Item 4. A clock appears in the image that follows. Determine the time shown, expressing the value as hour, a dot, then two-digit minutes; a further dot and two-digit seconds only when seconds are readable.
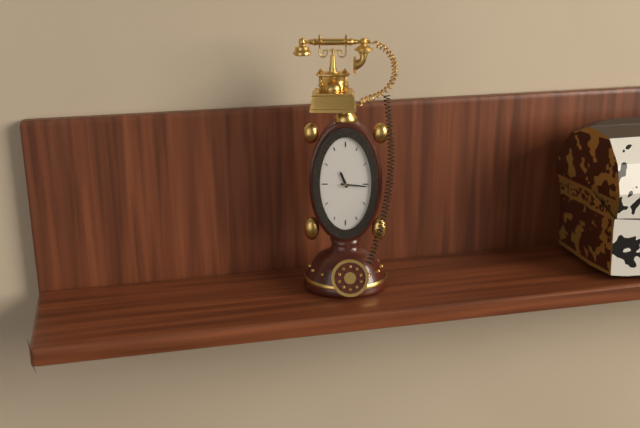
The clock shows 11.16
